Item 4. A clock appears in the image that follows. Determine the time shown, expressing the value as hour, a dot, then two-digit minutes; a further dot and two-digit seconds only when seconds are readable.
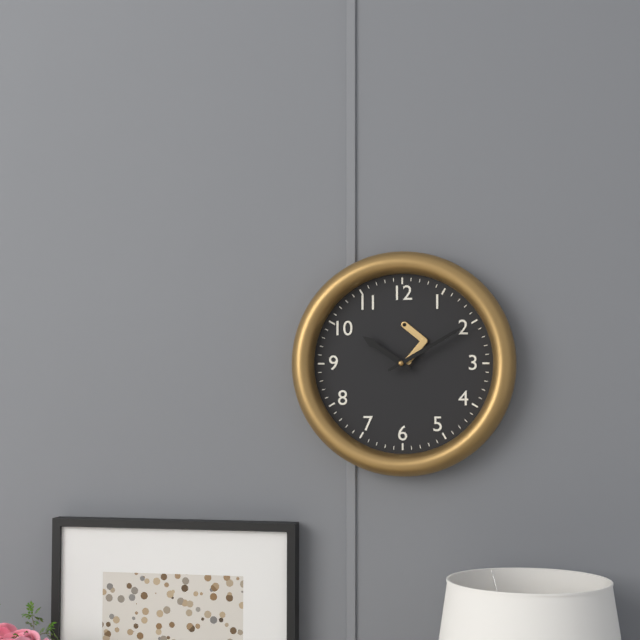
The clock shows 10.10
